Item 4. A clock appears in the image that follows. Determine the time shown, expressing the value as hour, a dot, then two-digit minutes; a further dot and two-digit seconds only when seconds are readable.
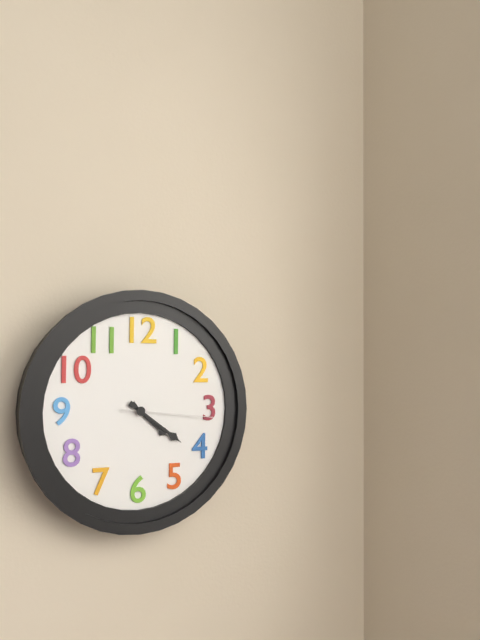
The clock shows 4.21.16
